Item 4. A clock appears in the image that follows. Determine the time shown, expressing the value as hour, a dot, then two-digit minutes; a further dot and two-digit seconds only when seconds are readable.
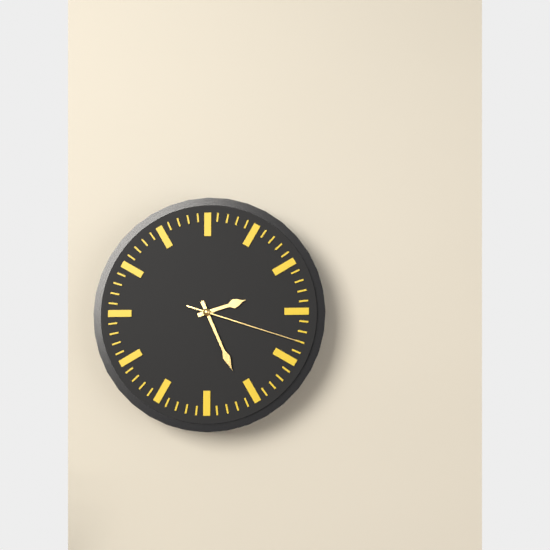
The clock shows 2.26.18
